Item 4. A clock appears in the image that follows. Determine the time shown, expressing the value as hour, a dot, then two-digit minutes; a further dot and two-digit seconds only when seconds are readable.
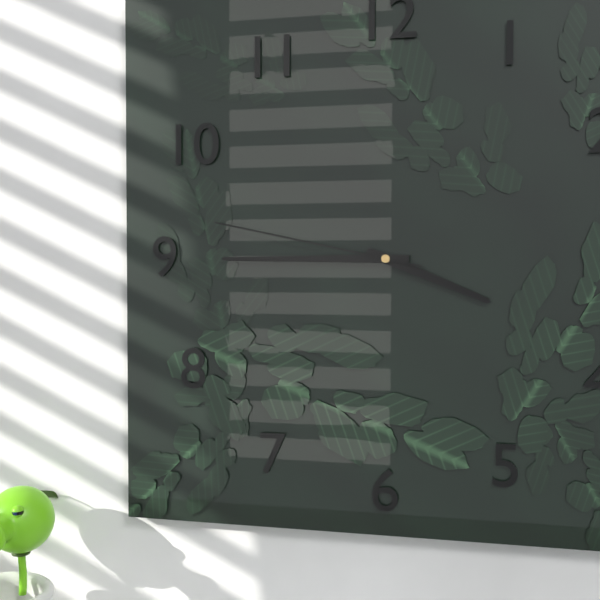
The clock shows 3.45.47
